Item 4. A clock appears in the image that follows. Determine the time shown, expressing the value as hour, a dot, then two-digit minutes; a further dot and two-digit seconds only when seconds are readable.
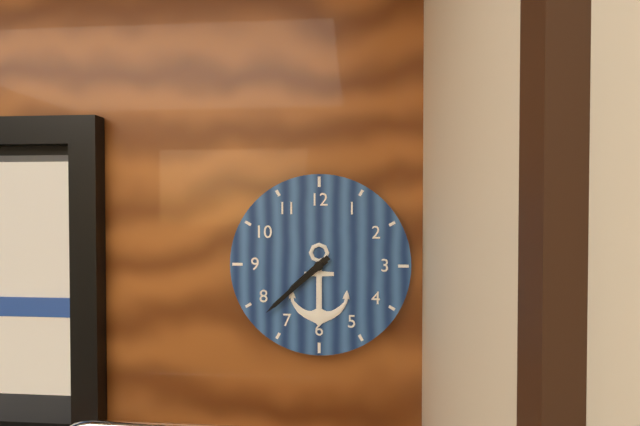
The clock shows 7.38
